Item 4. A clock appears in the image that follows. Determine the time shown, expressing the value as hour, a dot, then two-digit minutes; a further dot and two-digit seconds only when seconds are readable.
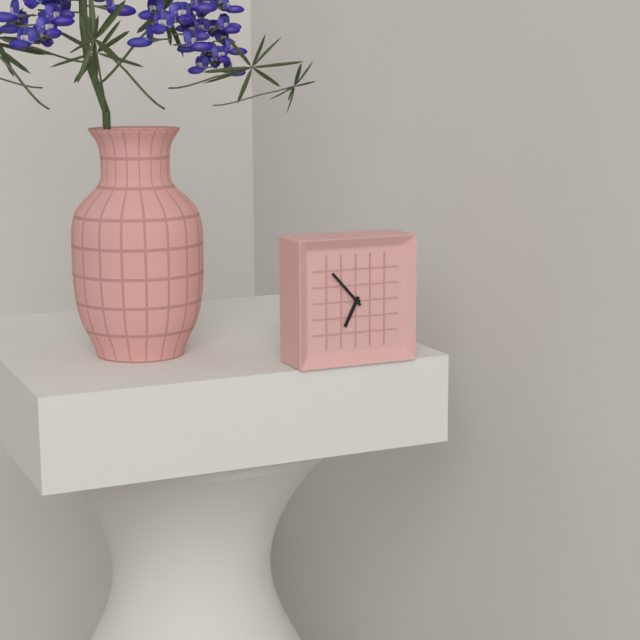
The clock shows 6.53
